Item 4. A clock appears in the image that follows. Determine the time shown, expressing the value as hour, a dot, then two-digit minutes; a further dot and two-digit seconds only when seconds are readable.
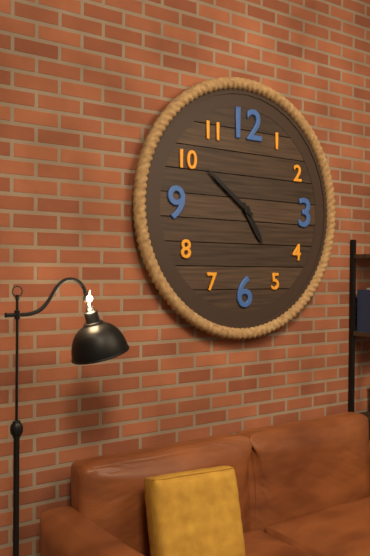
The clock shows 4.51
